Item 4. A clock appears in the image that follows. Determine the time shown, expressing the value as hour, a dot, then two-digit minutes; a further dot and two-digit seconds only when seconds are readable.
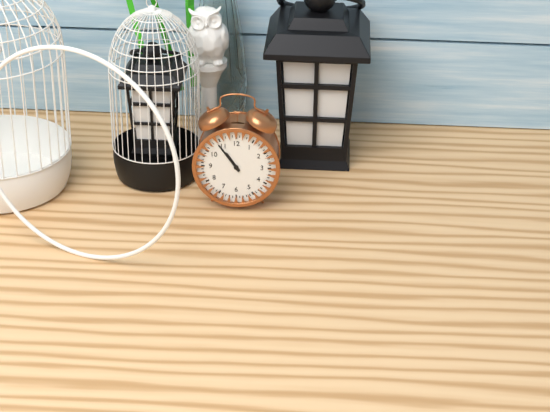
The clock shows 10.54
